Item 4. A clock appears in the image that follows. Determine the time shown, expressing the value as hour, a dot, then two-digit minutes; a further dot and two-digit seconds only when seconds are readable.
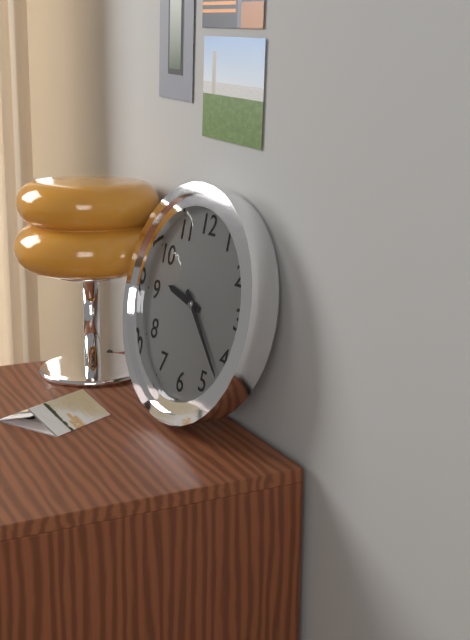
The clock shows 9.22
